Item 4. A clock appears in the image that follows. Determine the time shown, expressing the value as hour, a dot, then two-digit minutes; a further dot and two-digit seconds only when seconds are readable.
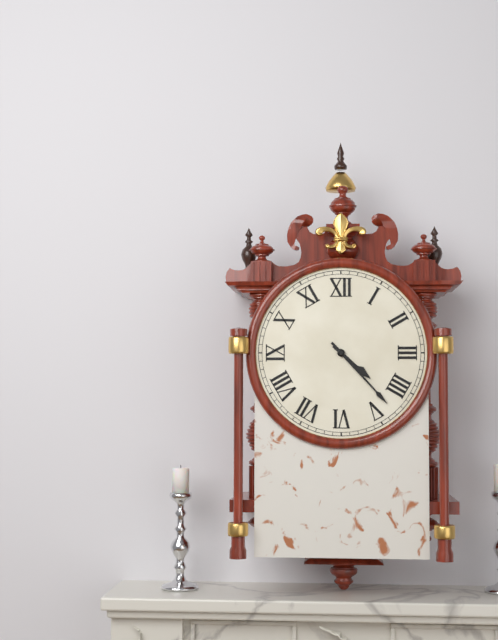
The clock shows 4.23
